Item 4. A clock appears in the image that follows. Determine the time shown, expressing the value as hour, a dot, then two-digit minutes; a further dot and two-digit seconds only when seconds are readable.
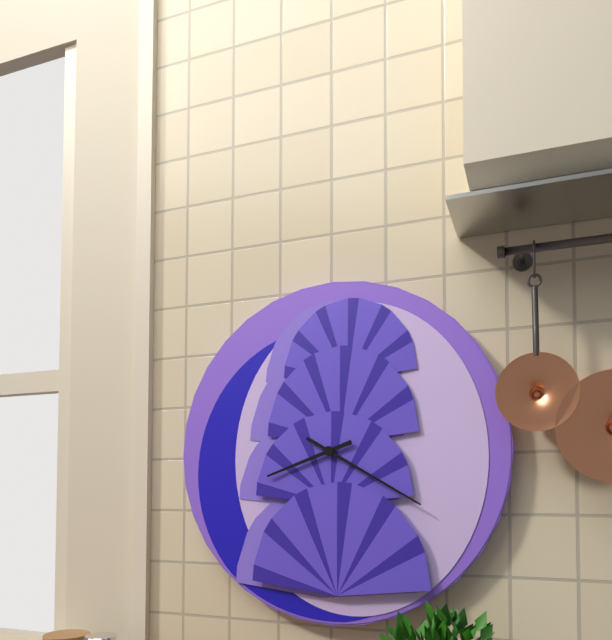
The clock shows 8.20
